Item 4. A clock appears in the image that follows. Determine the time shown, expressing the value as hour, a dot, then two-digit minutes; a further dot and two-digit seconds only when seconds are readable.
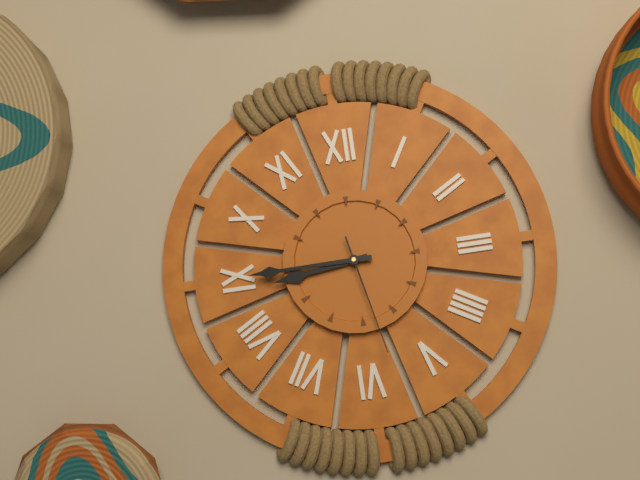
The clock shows 8.45.28
